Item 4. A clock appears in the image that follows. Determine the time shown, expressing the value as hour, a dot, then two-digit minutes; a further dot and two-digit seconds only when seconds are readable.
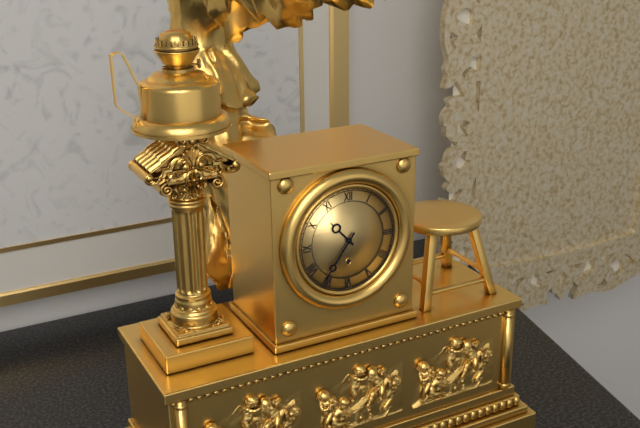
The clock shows 10.36
